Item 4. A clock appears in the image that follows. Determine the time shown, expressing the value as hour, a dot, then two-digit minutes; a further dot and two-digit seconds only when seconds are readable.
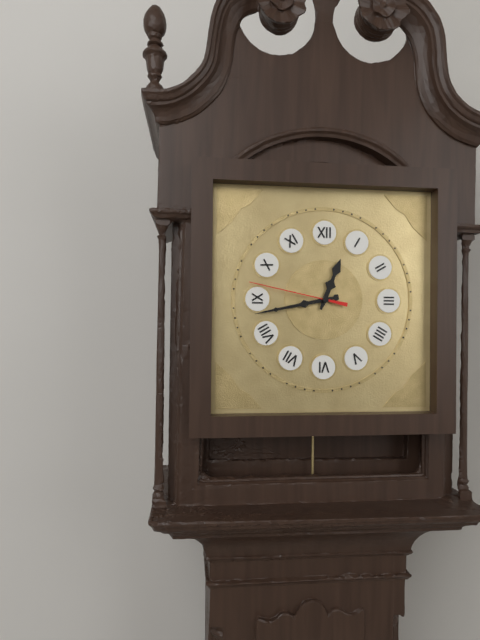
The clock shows 12.43.47
